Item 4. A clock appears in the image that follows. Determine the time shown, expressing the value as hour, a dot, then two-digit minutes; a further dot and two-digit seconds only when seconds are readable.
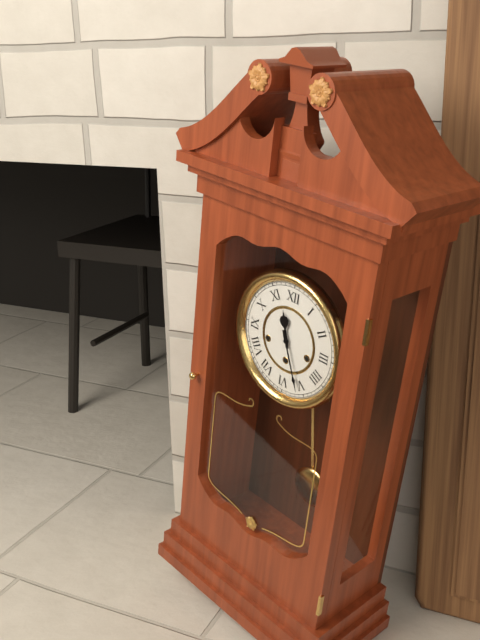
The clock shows 11.26
